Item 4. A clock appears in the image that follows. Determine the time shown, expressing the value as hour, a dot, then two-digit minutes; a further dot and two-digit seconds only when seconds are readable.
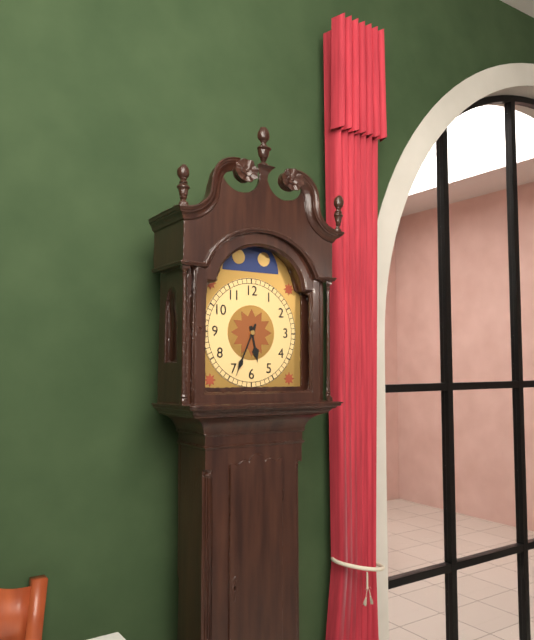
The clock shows 5.34
